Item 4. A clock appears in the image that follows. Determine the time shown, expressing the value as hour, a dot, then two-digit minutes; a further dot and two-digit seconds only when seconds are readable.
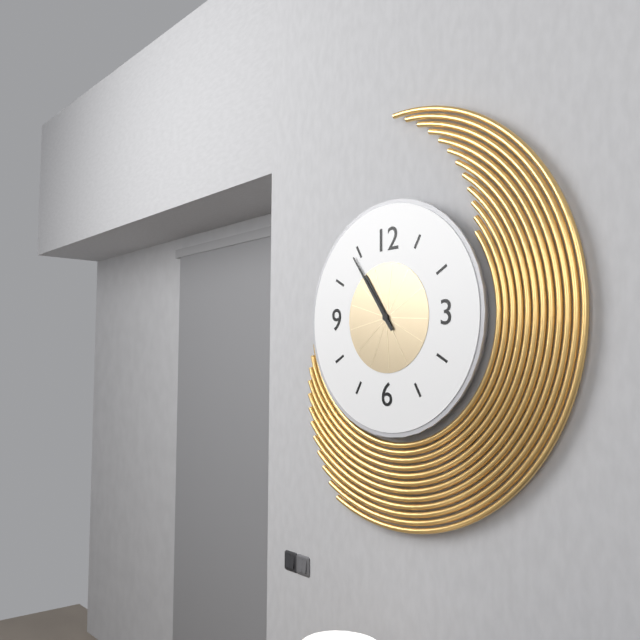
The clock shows 10.54
